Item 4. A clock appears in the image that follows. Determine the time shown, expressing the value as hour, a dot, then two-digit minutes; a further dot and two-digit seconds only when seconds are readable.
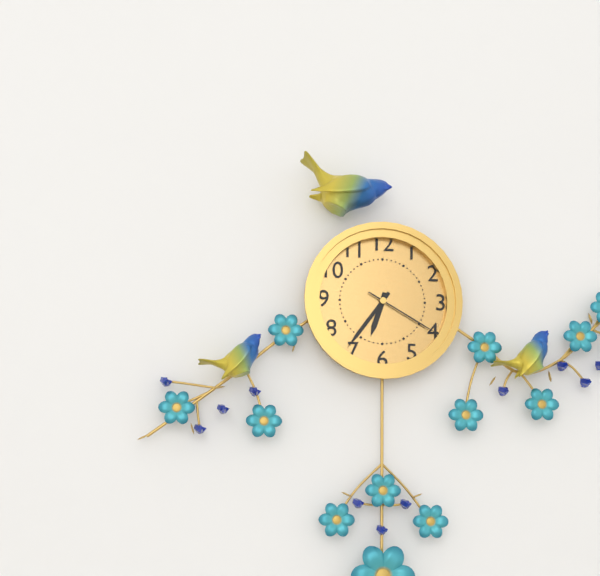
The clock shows 6.36.20
